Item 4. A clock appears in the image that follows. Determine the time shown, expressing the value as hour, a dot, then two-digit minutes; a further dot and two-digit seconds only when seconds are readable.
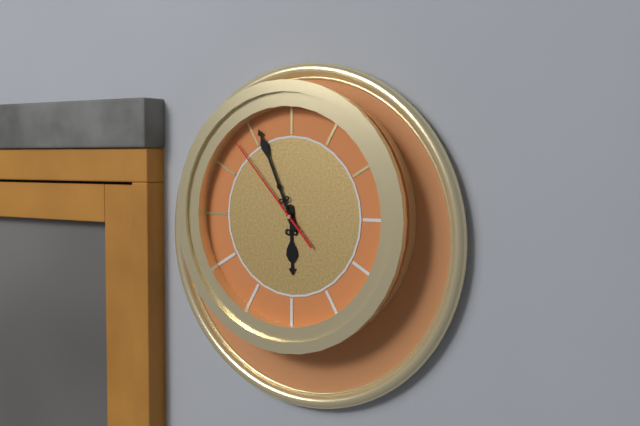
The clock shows 5.56.53
